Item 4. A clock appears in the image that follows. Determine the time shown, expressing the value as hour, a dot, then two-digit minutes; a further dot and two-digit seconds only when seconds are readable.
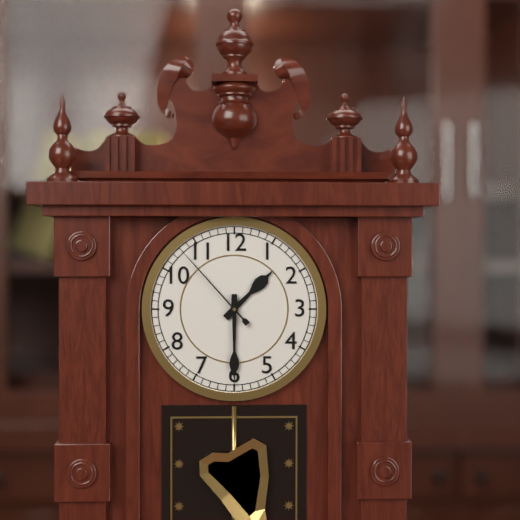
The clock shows 1.30.53
